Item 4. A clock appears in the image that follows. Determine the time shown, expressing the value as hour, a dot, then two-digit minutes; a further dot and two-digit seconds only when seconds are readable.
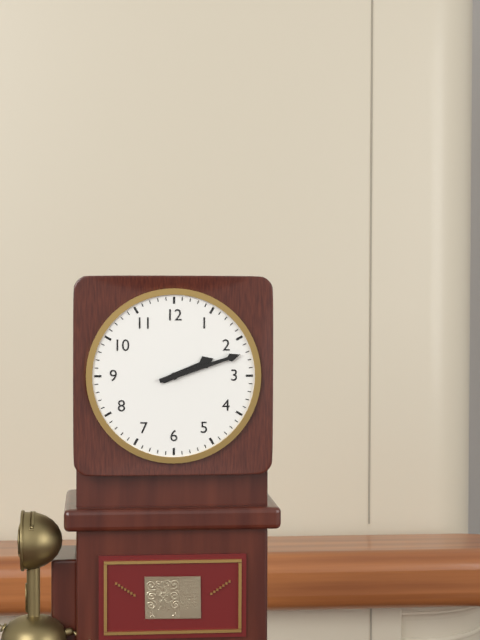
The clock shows 2.12
